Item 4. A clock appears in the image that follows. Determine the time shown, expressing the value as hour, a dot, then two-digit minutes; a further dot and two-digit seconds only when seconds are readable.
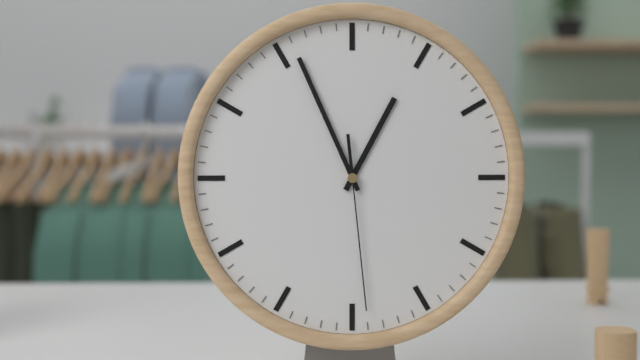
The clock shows 12.56.29
